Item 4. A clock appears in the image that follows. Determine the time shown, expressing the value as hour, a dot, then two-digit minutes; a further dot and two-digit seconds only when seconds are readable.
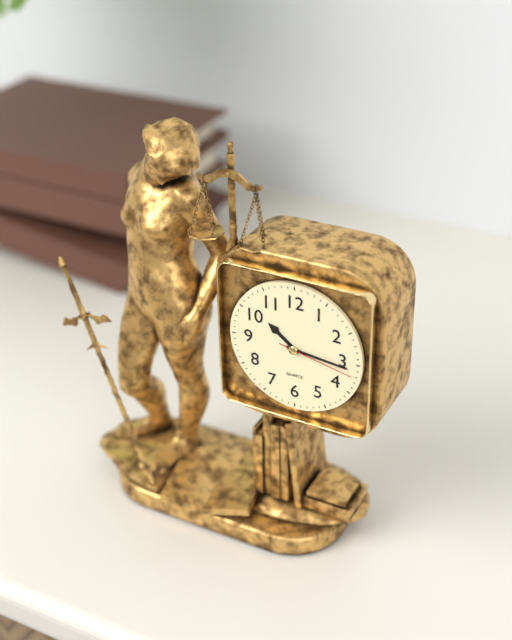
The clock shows 10.16.17
